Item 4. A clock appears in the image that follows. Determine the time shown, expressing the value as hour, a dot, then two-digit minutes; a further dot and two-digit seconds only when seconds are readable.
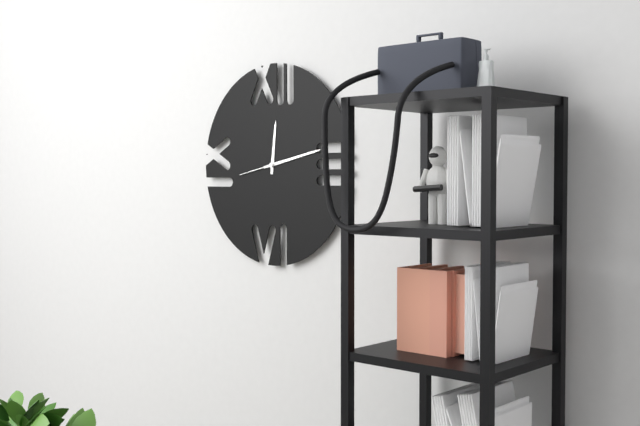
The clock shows 12.13
